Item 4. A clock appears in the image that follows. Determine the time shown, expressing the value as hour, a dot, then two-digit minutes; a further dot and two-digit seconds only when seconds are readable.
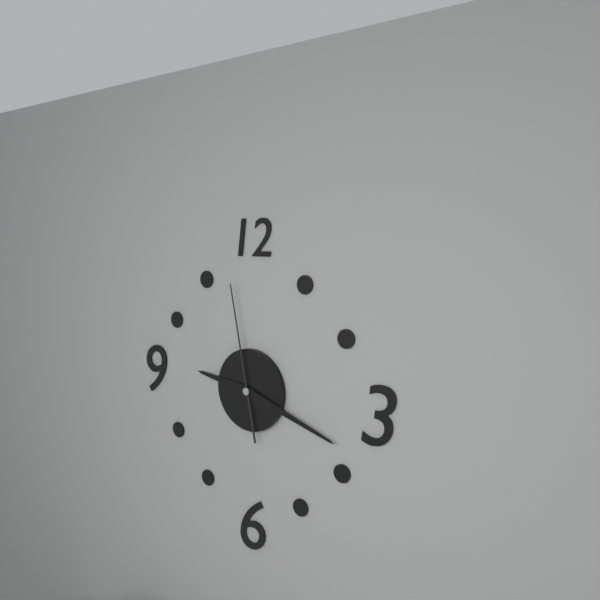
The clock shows 9.18.58
